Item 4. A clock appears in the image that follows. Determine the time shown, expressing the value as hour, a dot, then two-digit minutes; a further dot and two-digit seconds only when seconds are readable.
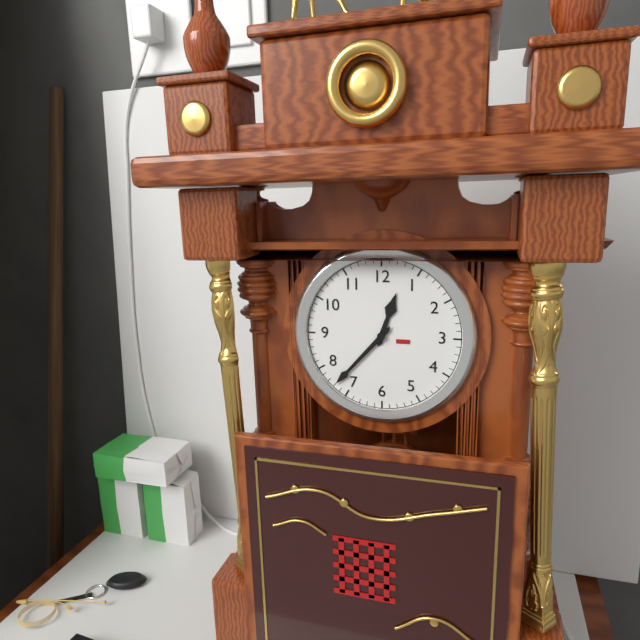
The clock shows 12.37
